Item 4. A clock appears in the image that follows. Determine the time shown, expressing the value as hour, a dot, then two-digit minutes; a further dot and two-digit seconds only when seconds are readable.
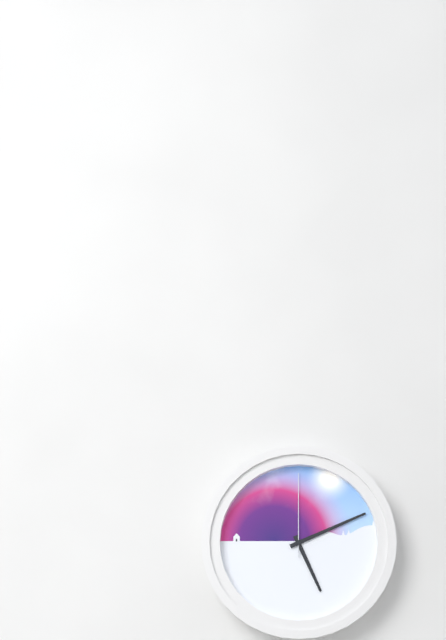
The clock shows 5.11.00
